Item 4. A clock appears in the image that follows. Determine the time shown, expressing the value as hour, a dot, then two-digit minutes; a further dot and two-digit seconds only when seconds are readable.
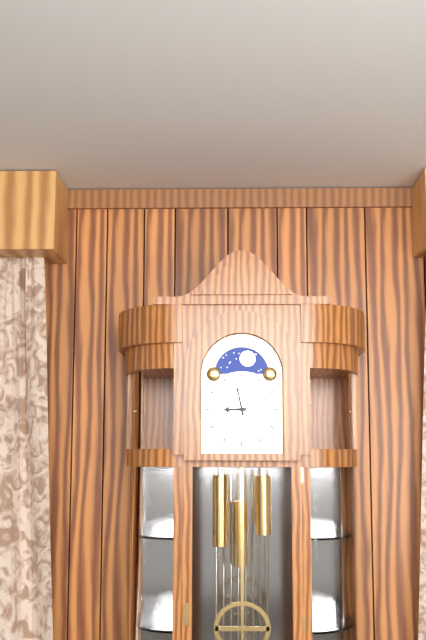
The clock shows 8.58
